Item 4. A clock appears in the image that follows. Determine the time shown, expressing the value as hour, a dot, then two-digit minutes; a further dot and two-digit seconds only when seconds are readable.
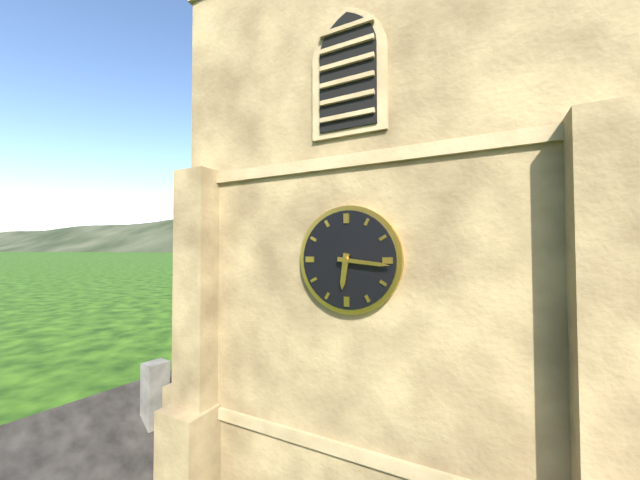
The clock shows 6.16
